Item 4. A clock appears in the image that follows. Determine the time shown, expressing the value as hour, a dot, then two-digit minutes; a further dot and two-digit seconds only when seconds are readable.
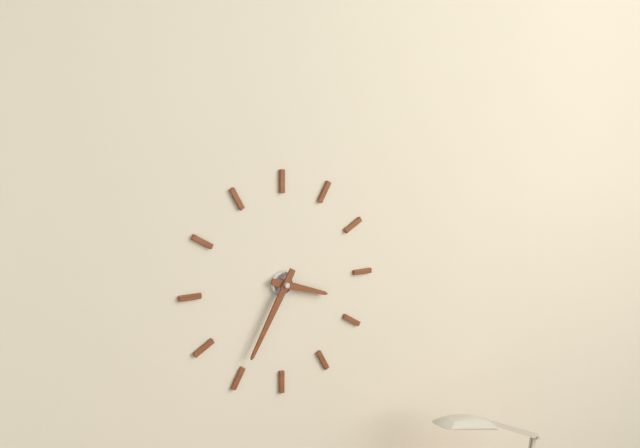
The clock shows 3.35
